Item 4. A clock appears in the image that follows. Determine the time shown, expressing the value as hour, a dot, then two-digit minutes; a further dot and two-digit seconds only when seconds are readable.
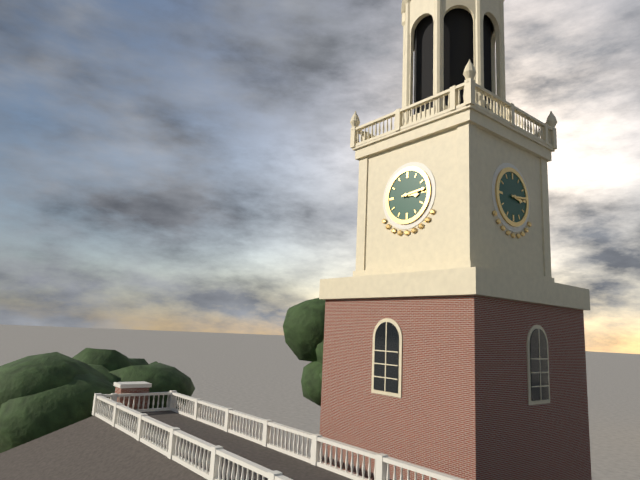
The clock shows 3.14
